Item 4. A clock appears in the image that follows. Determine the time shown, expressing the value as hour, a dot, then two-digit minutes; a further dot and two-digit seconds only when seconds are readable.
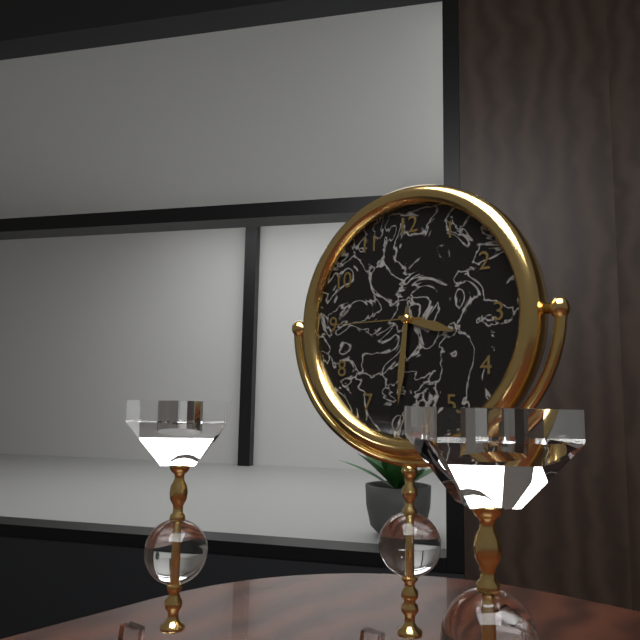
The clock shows 3.31.45
